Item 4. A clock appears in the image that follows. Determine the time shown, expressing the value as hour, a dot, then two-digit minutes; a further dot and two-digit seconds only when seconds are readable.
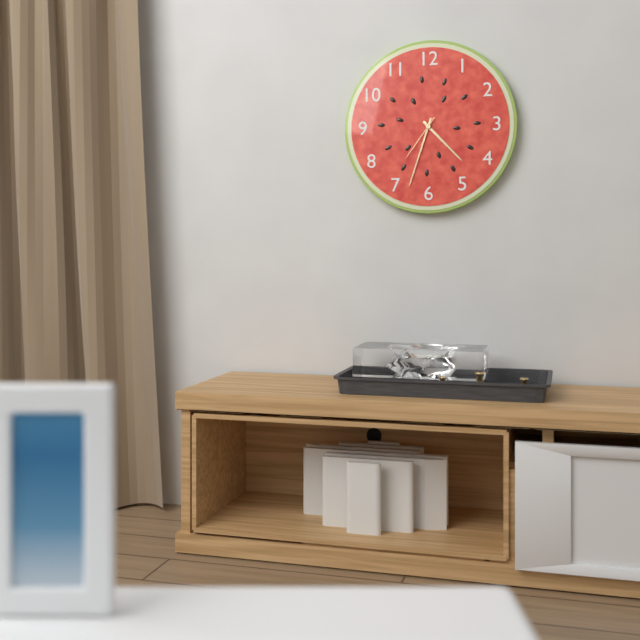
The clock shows 4.33
